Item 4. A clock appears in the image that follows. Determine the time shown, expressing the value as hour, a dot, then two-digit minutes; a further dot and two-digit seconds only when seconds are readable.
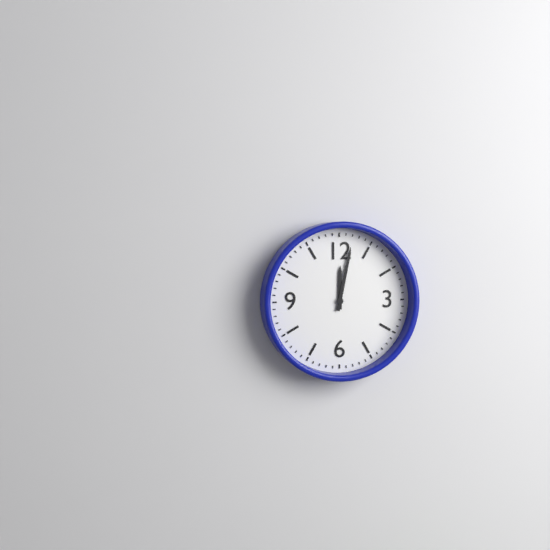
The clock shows 12.02
